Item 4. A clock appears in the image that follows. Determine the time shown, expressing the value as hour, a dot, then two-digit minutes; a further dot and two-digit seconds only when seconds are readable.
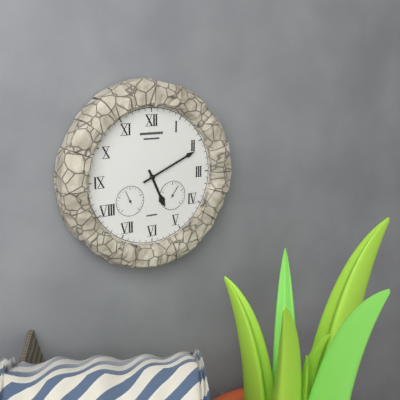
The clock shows 5.11
